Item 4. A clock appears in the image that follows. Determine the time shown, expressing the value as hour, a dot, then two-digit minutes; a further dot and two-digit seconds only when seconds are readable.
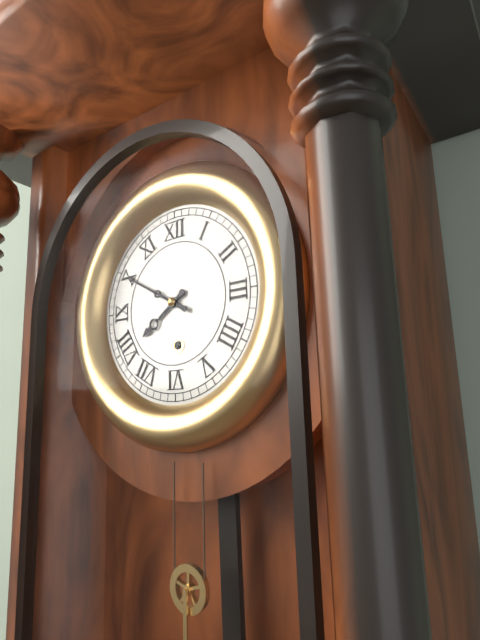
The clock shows 7.50
